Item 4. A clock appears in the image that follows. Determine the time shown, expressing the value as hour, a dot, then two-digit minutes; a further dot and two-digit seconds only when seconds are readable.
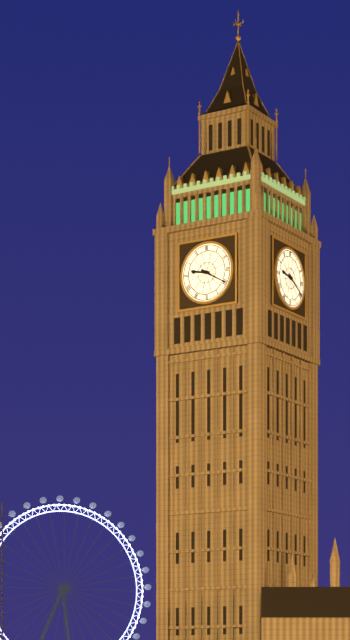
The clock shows 9.20
